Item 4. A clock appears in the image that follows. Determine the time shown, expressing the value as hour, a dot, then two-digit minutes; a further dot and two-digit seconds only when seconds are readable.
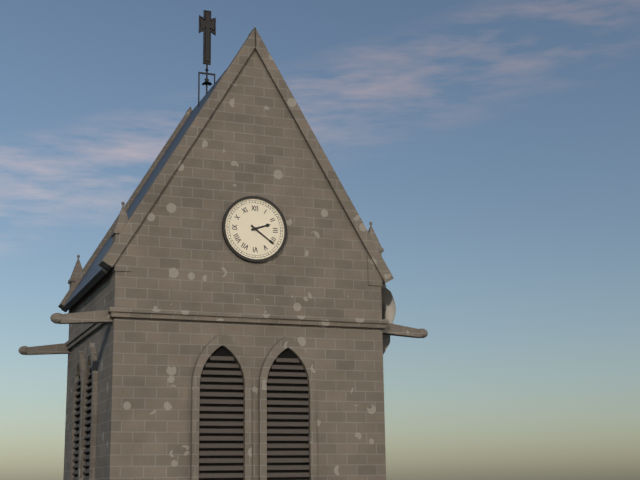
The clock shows 2.21
